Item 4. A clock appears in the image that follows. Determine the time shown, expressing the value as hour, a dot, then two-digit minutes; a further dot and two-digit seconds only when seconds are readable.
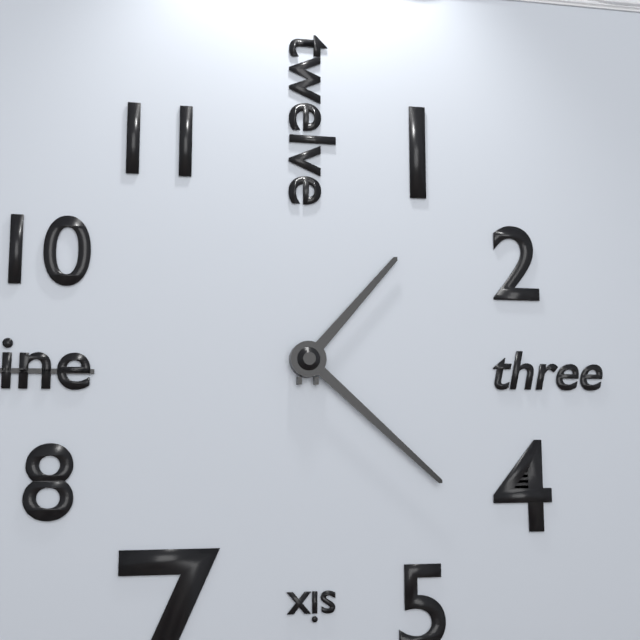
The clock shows 1.22
